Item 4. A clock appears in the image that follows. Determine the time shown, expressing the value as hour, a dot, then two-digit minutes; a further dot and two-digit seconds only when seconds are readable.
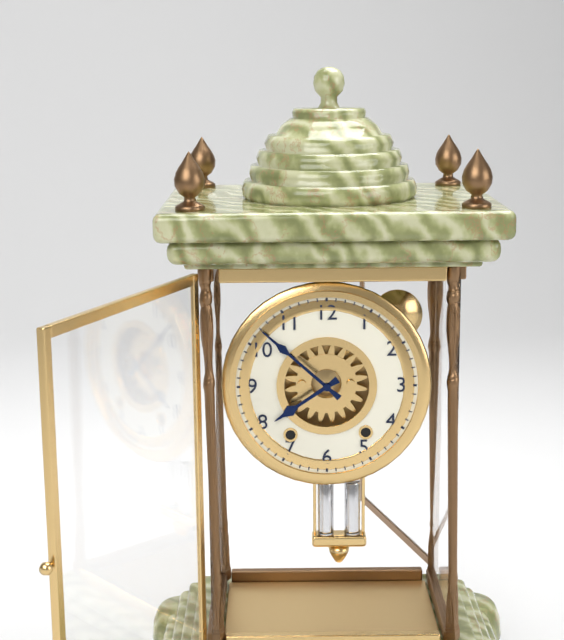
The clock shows 7.52
